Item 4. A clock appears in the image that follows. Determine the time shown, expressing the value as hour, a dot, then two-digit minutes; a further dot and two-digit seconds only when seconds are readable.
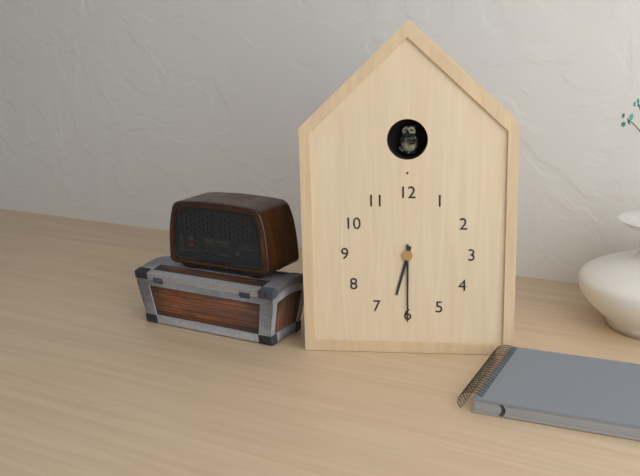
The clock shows 6.30
